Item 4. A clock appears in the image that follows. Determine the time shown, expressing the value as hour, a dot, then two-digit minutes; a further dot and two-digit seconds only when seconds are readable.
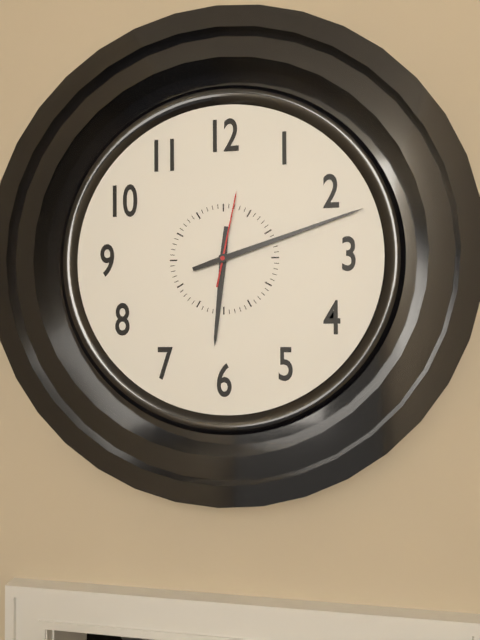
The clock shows 6.12.02
